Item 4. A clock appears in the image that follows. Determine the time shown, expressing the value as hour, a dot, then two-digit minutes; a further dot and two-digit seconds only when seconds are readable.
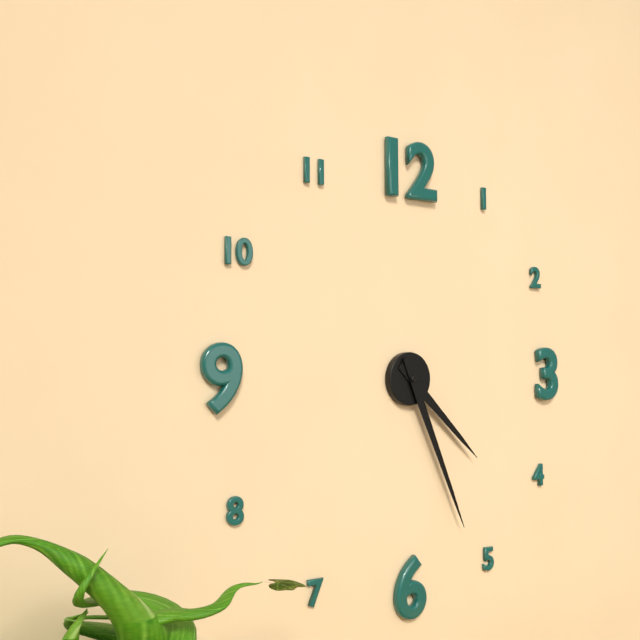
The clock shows 4.26
